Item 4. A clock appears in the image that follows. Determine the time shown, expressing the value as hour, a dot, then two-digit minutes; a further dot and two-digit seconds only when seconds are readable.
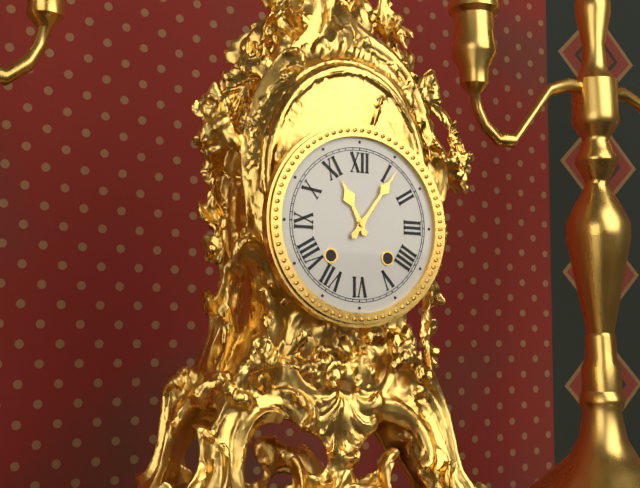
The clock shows 11.06
